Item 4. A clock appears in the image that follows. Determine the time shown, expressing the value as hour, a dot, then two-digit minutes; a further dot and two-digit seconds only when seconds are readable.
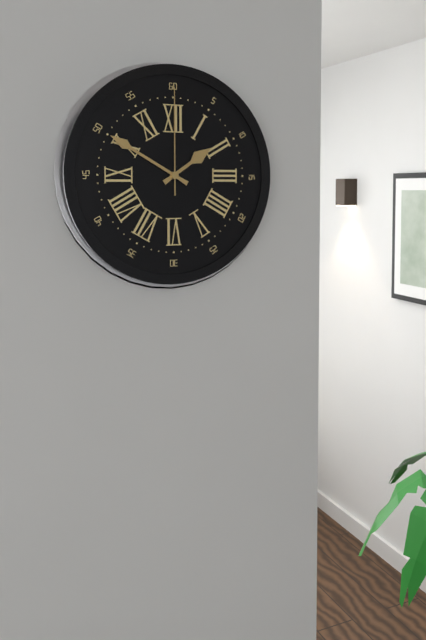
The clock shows 1.50.00
